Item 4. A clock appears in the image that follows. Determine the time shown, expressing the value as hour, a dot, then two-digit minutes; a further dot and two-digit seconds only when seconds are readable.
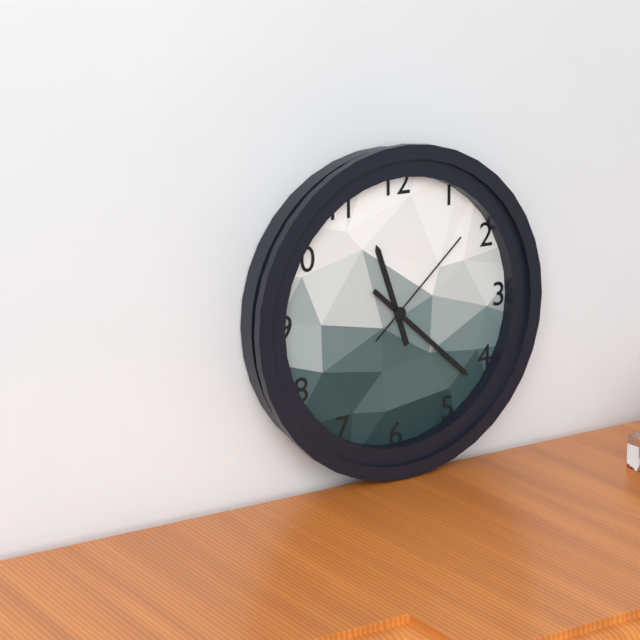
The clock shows 11.22.08
